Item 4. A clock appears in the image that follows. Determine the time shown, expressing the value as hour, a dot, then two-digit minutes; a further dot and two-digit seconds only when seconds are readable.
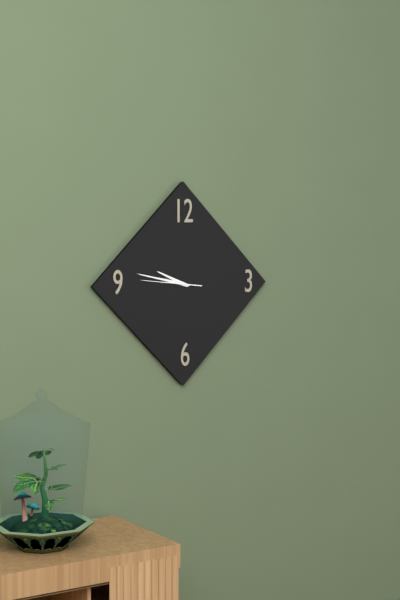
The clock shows 9.47.46
